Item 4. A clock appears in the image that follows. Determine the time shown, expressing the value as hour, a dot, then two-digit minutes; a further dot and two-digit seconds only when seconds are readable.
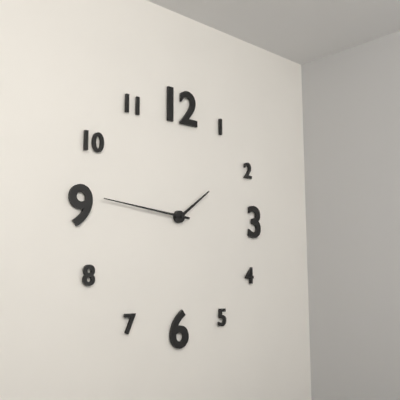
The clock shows 1.46
